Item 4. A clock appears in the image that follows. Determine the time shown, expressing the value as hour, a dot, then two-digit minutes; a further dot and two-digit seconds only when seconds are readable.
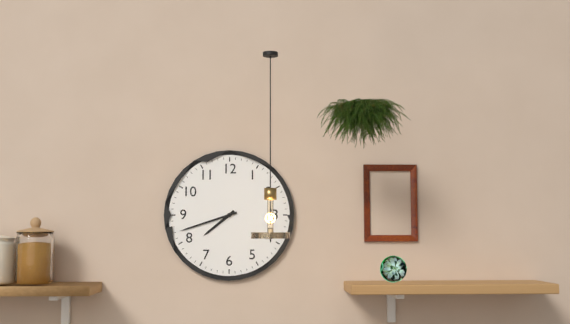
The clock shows 7.42
